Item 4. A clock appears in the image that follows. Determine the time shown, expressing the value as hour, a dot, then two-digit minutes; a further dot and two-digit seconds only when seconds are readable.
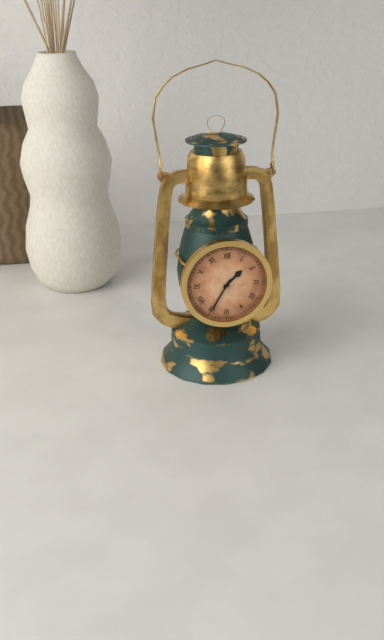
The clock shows 1.35
